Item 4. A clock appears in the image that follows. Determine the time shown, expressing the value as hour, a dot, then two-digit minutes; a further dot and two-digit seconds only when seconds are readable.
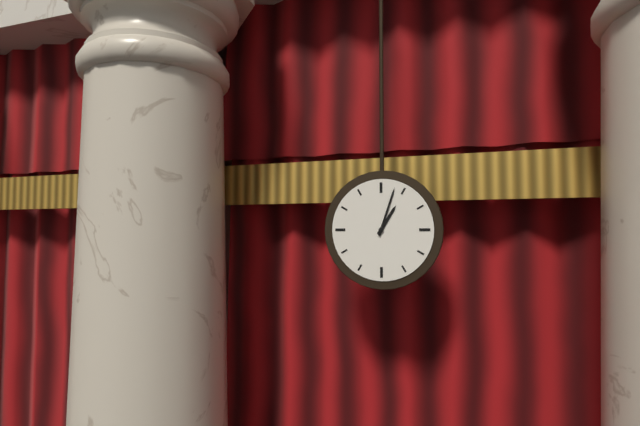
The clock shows 1.03
